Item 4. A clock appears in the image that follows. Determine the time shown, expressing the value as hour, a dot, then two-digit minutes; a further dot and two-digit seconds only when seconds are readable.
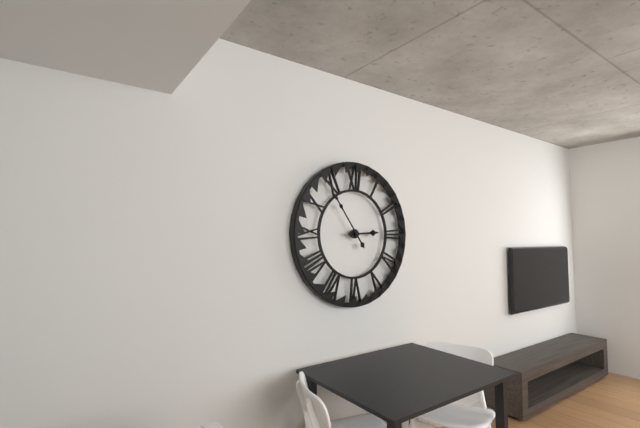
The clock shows 2.54
